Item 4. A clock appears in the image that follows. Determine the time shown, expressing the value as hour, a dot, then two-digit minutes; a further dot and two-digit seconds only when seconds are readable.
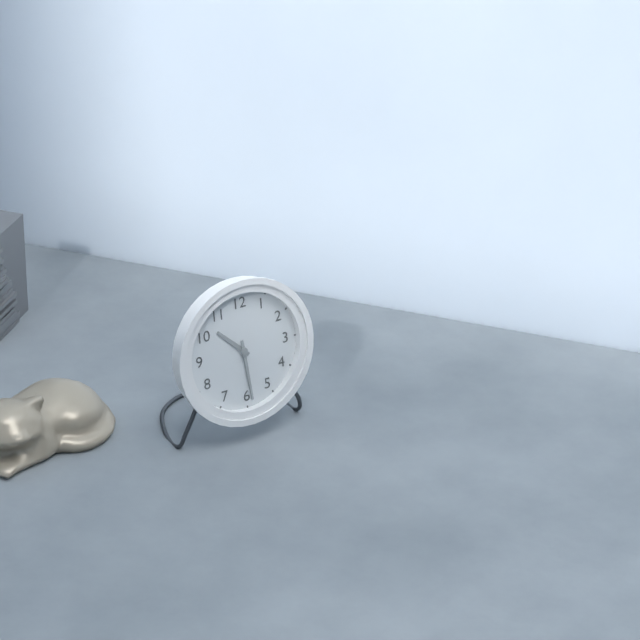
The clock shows 10.29
